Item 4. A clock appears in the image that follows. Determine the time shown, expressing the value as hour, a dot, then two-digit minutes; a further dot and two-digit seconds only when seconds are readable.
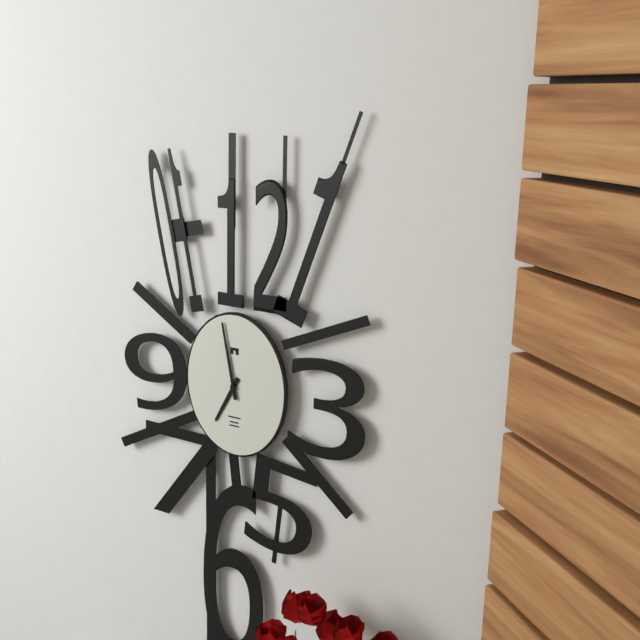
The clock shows 6.58
